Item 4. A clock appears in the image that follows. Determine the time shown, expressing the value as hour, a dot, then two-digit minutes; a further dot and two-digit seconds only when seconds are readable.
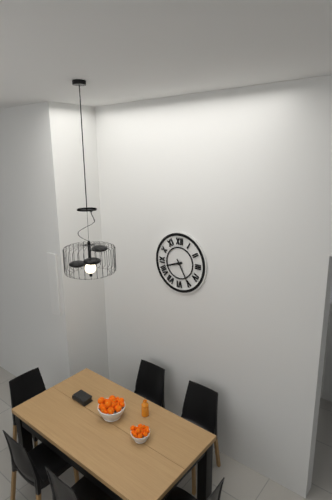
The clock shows 8.25
